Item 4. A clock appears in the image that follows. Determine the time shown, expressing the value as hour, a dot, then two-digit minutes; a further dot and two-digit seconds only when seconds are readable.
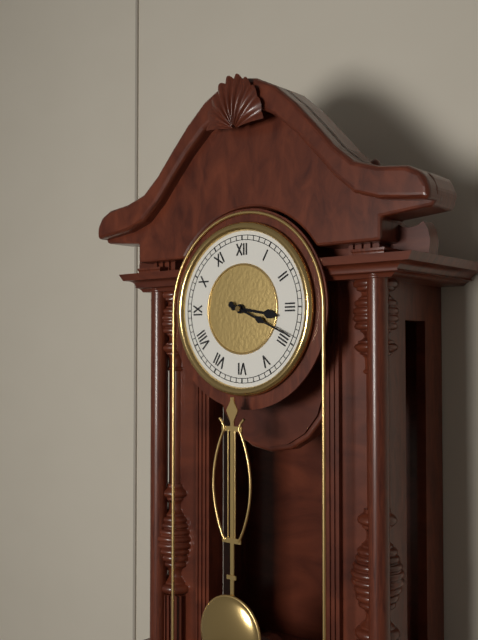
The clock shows 3.19
